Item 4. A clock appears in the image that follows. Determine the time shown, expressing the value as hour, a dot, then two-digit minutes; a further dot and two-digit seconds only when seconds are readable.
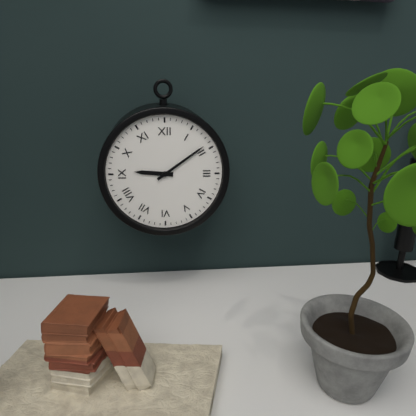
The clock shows 9.09
